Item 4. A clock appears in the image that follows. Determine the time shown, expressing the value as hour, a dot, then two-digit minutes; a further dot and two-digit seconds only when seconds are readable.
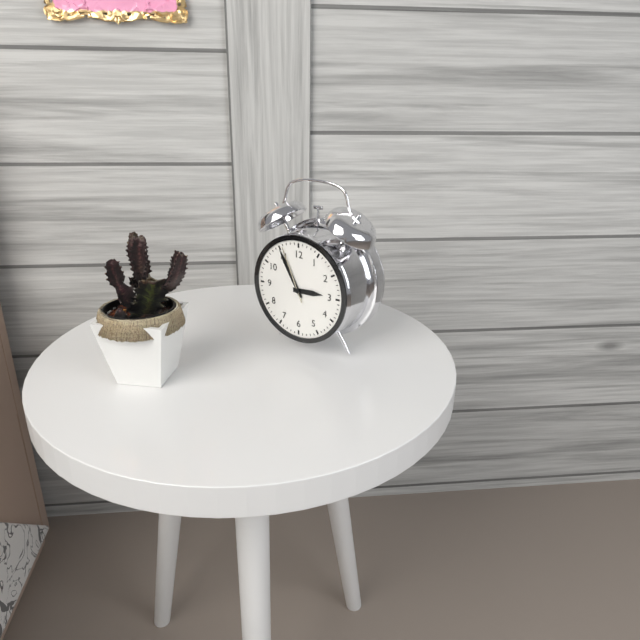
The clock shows 2.55.56
